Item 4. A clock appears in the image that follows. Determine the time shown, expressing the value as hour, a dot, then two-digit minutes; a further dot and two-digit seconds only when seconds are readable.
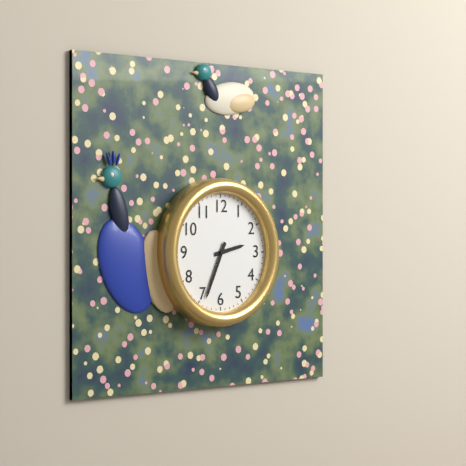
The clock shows 2.34
